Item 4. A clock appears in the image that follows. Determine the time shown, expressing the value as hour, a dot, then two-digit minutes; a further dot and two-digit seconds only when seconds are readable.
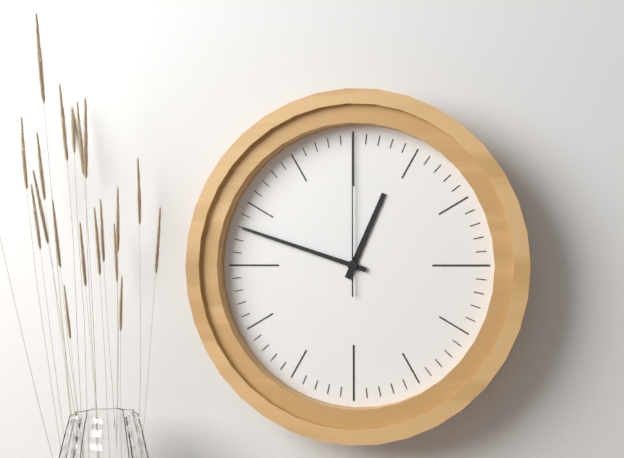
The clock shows 12.48.00
